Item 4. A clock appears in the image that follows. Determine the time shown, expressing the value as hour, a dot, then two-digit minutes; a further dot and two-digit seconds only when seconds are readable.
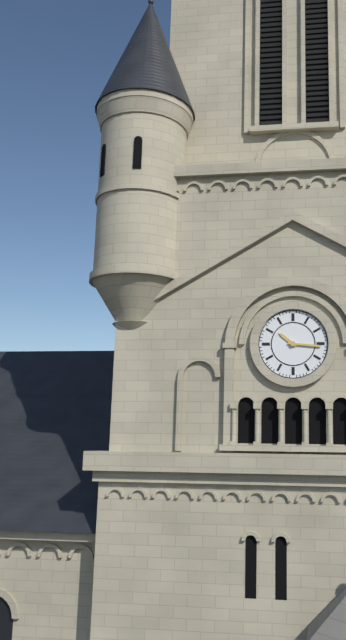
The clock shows 10.16
